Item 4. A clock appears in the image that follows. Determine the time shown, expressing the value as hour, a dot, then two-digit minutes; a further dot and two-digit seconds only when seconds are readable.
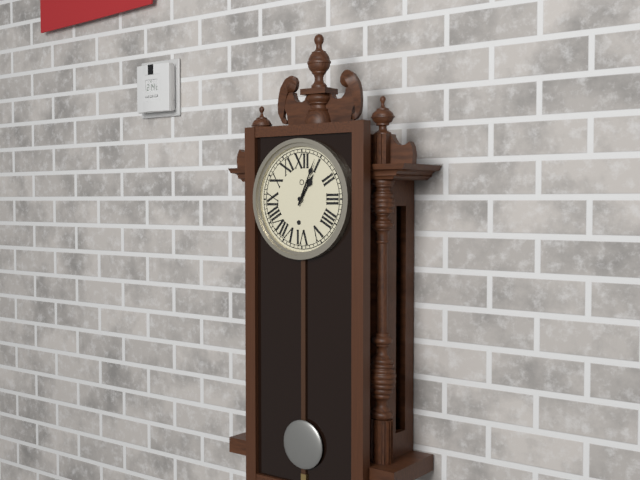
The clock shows 1.04
